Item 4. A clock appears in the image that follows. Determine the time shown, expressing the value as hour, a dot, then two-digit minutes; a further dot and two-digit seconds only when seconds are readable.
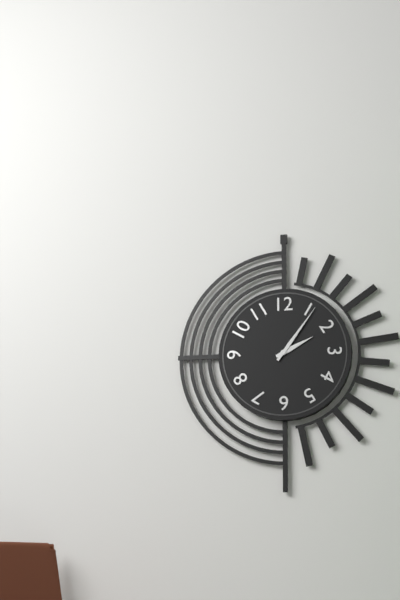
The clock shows 2.06
